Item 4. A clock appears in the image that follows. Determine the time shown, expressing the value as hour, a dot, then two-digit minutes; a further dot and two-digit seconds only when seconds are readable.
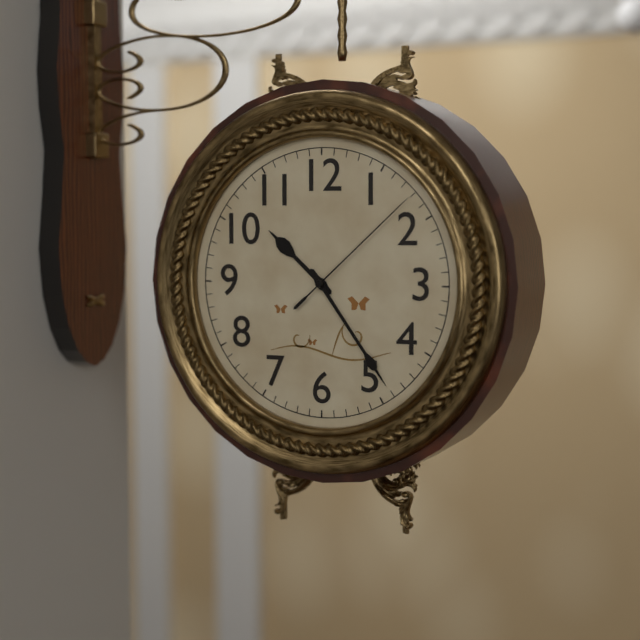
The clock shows 10.24.08
